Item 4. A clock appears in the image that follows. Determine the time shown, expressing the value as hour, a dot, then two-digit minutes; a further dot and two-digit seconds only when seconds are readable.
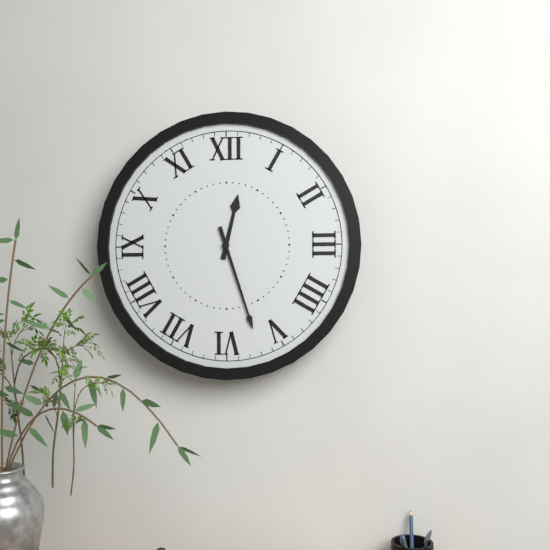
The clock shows 12.27
